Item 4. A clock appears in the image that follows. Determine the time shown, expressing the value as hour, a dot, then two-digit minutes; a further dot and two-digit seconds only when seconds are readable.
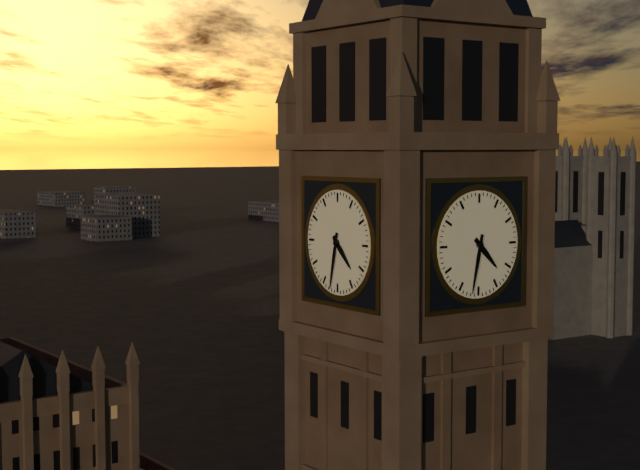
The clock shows 4.32
